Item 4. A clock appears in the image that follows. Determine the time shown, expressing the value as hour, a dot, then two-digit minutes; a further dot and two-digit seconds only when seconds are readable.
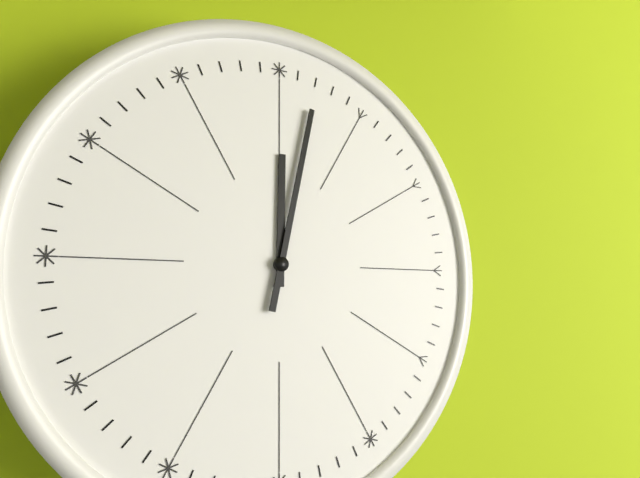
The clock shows 12.02
